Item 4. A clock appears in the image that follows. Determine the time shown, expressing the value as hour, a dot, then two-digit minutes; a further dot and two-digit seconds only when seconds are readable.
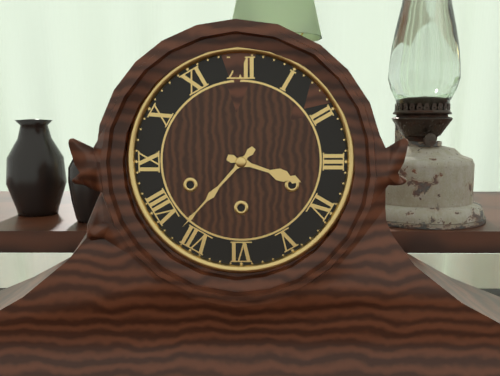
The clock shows 3.37
